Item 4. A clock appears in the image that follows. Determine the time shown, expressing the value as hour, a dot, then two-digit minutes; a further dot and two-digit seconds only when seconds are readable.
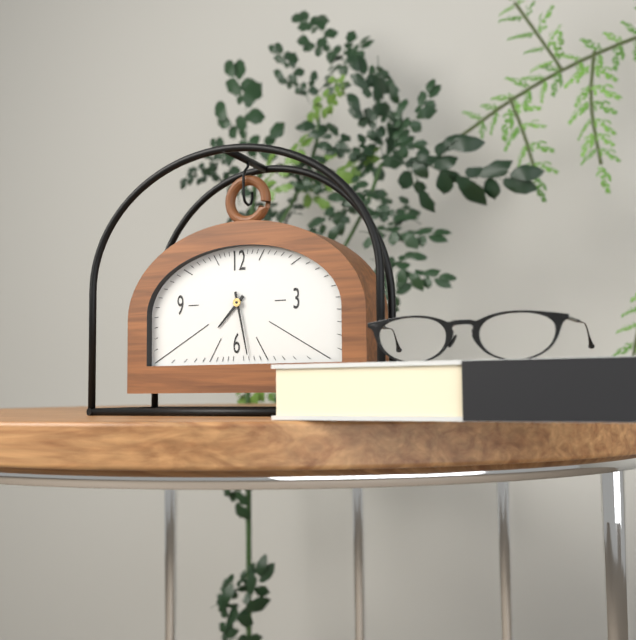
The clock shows 7.28
